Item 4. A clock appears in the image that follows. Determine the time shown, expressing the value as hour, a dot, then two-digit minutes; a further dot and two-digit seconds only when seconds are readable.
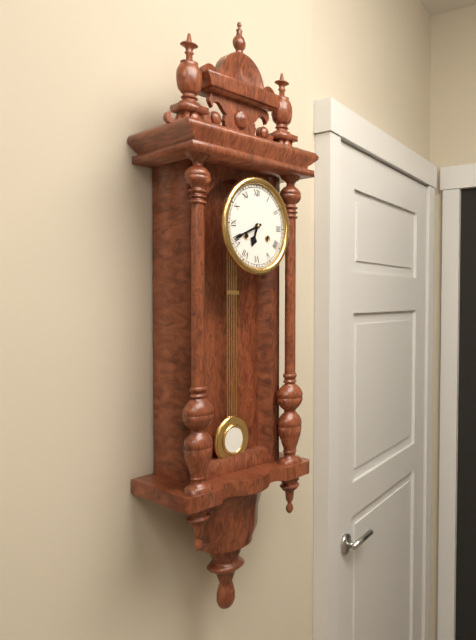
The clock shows 6.41
